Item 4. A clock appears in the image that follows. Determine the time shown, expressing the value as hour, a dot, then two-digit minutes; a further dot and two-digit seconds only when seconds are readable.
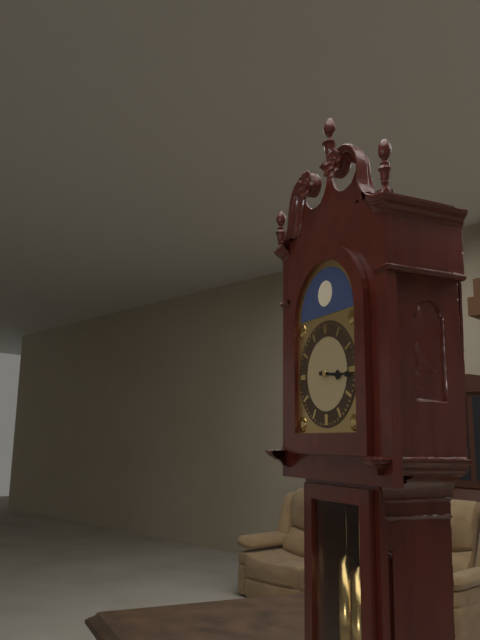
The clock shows 3.16
